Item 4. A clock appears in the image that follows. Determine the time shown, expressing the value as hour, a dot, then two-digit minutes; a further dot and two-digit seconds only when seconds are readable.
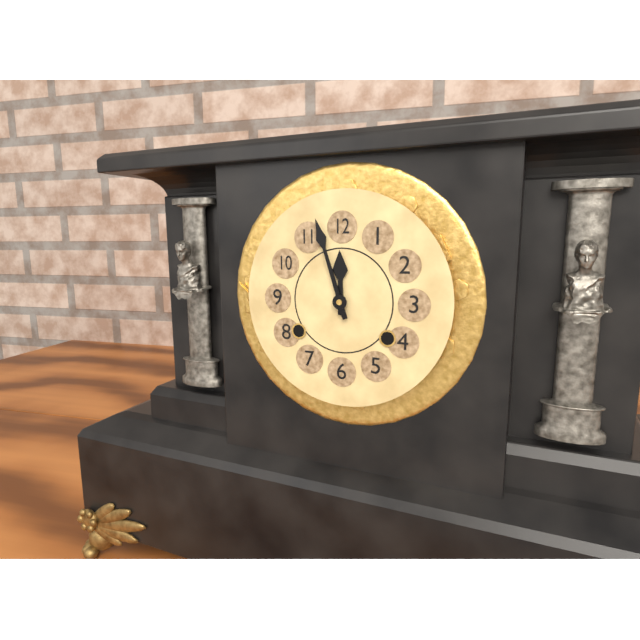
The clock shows 11.57
